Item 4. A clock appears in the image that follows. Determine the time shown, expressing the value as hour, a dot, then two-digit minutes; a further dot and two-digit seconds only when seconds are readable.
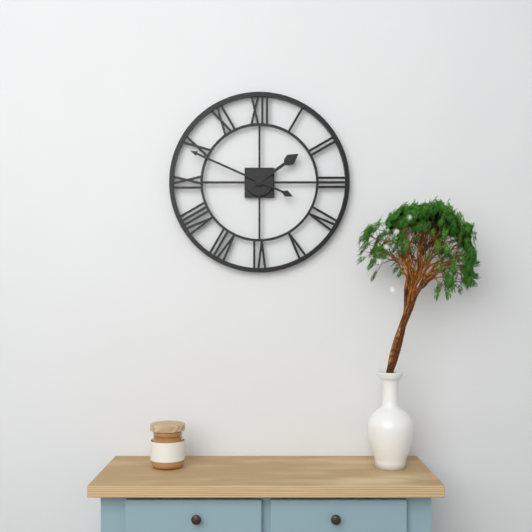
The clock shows 1.49
